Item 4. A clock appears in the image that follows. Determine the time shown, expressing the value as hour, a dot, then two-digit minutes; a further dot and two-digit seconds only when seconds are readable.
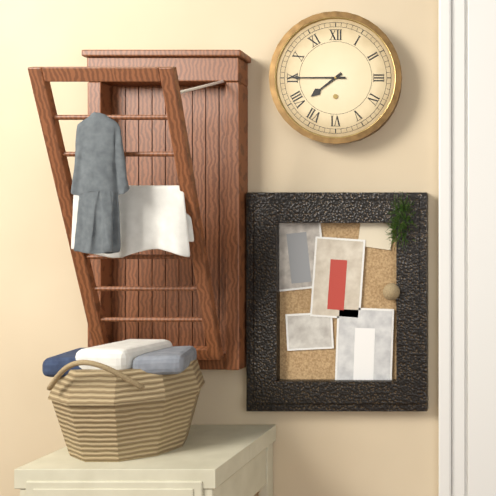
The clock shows 7.45
